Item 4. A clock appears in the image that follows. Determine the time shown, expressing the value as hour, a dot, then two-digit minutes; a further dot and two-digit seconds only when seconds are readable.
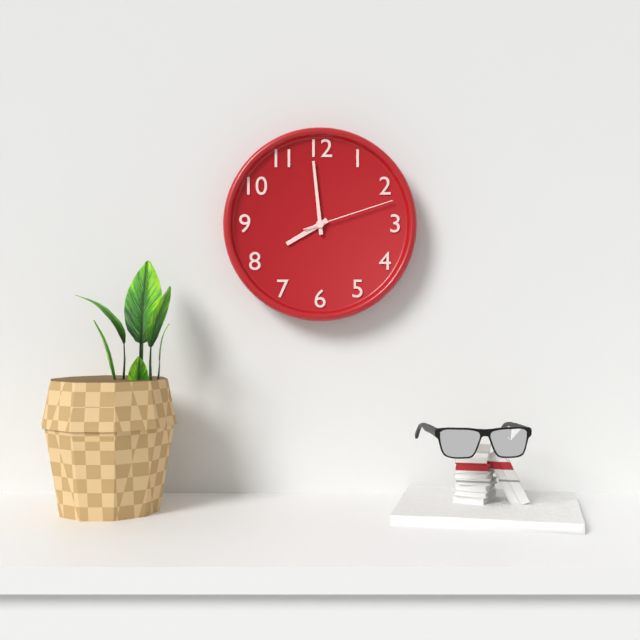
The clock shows 7.59.12
